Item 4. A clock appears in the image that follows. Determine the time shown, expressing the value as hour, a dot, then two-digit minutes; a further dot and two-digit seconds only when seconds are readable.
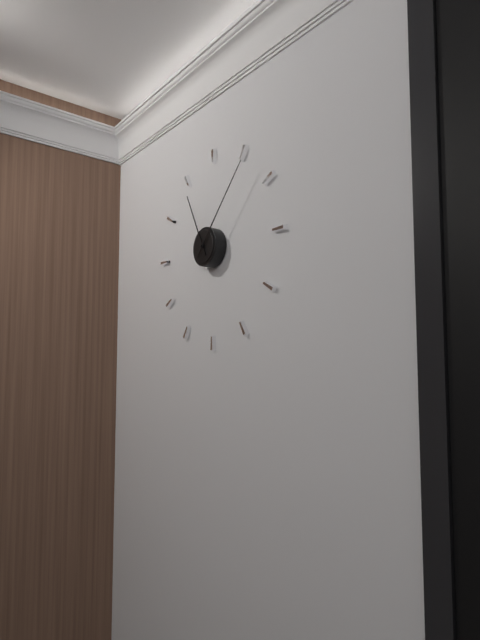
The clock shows 11.07
